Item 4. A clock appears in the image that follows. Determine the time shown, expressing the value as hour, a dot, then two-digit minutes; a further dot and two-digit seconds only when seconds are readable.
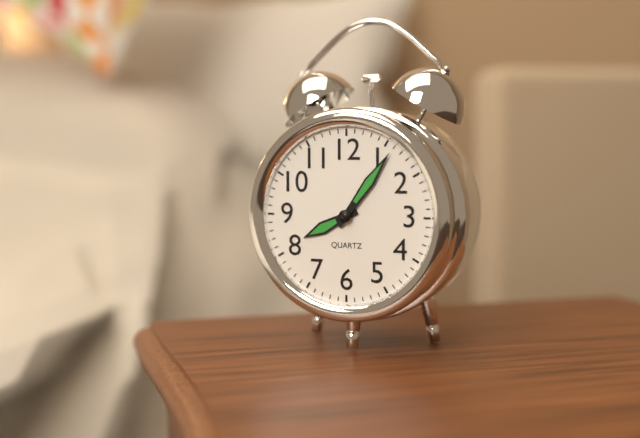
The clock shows 8.06
